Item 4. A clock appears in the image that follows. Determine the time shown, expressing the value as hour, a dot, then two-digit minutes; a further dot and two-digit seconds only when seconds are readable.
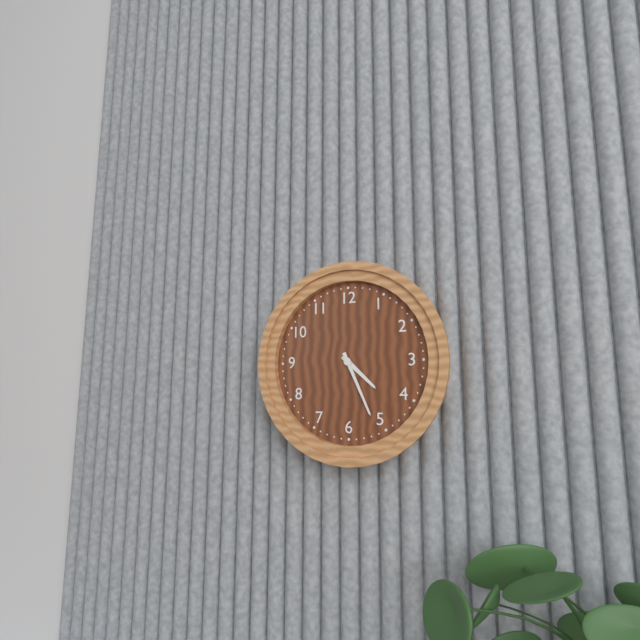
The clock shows 4.26
